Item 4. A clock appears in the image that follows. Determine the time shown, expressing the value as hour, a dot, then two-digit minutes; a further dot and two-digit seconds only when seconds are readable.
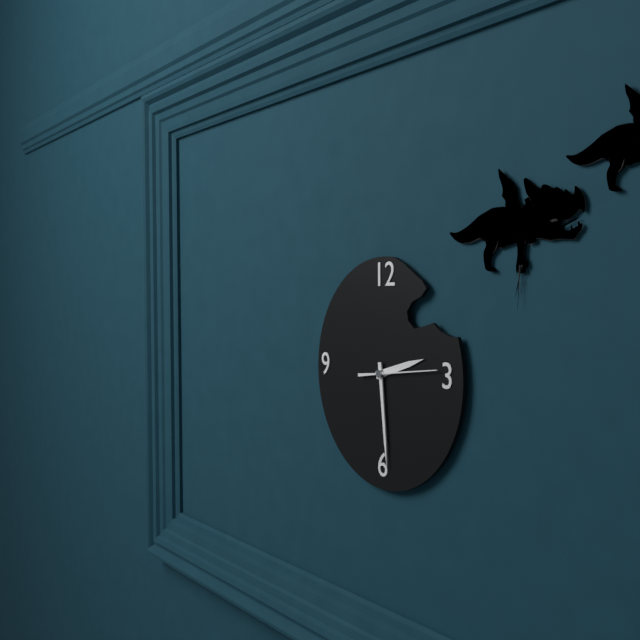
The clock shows 2.29.14
